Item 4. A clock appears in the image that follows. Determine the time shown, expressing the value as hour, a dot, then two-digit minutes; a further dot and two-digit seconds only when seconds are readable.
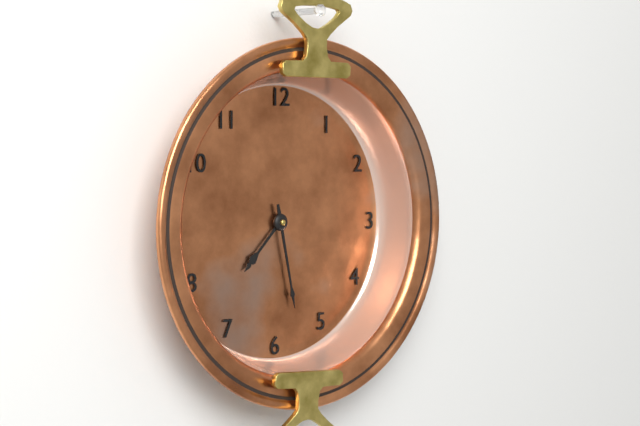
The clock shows 7.28
